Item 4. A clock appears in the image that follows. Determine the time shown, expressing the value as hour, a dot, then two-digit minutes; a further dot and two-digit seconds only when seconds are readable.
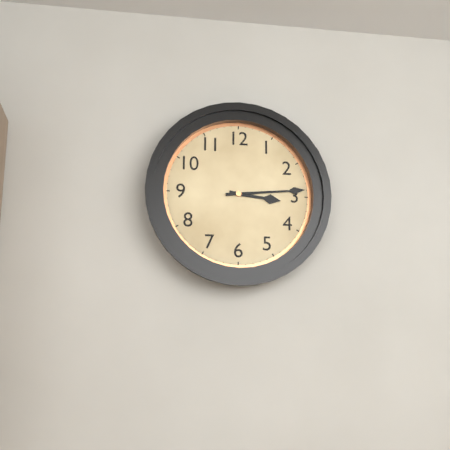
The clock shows 3.14
